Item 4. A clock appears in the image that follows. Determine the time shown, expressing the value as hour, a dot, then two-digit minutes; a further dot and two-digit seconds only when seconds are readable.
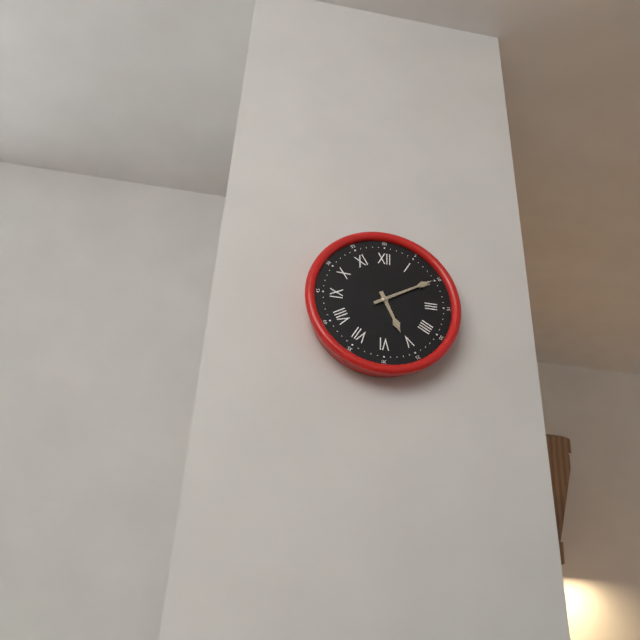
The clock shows 5.10
